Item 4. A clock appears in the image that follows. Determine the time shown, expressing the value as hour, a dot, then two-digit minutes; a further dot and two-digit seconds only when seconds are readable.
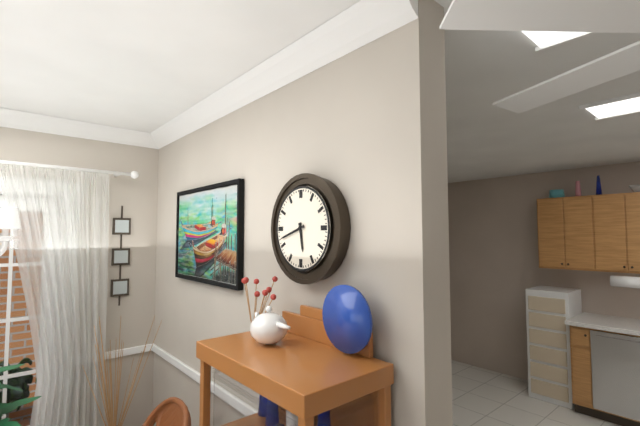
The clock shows 5.42
